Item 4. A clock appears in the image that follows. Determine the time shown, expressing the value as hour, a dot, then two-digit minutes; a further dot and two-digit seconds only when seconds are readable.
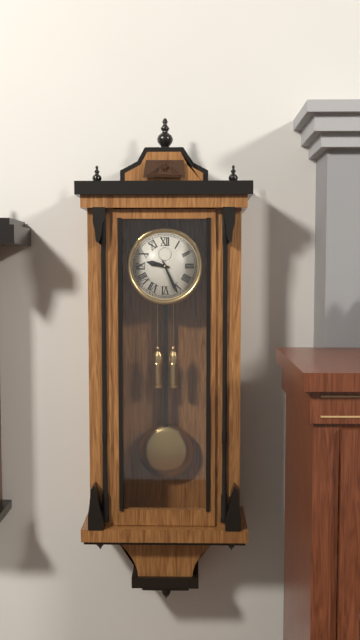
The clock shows 9.26
